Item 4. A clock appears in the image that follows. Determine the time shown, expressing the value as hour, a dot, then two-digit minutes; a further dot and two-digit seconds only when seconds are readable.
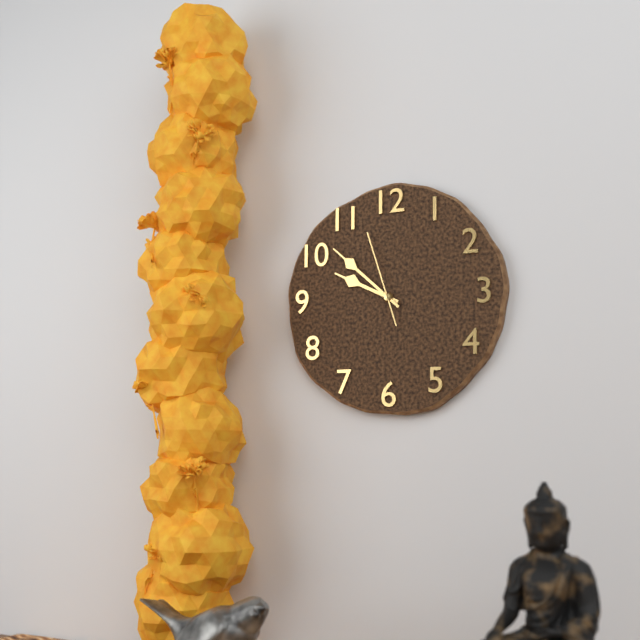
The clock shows 9.52.57
